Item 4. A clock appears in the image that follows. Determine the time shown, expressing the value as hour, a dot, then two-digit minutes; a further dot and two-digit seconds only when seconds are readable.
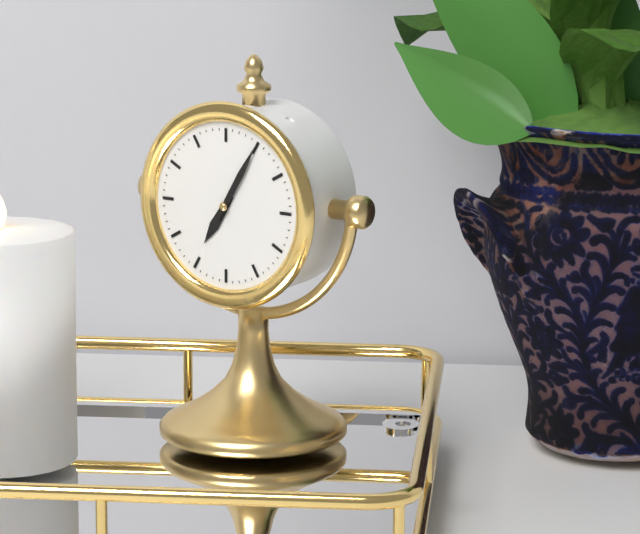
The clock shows 7.05
